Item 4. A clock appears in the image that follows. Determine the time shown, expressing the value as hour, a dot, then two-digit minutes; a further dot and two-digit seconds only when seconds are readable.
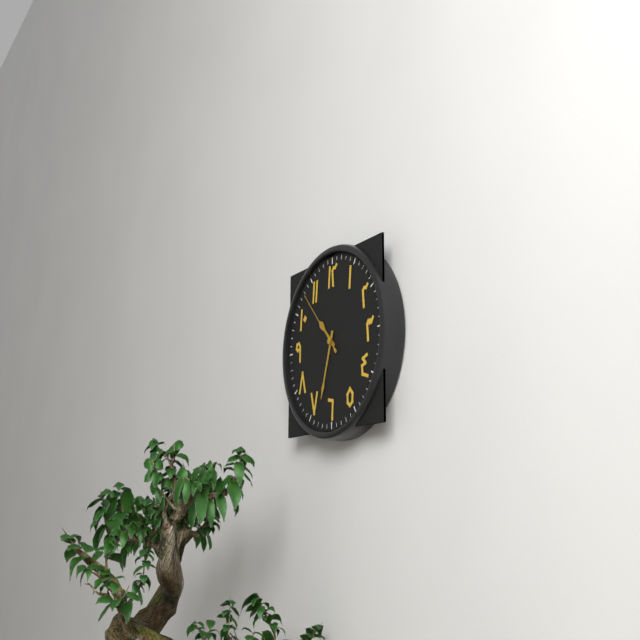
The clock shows 10.33.53
